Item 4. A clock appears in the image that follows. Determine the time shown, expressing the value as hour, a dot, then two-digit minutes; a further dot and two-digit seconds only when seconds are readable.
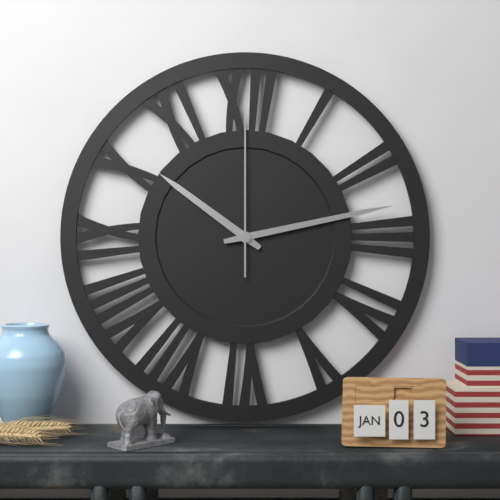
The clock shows 10.13.00
